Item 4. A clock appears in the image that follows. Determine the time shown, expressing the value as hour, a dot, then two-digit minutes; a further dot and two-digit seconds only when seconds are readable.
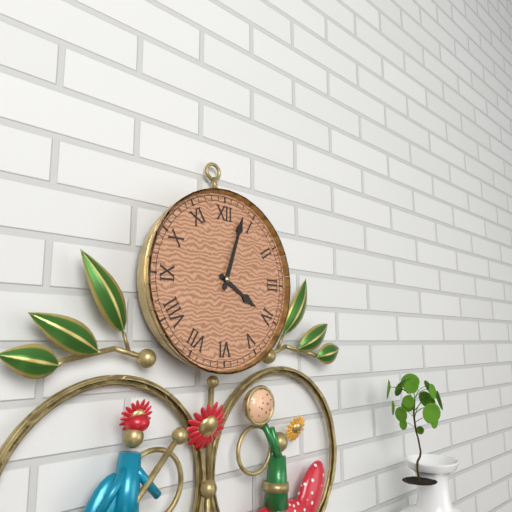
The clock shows 4.03
